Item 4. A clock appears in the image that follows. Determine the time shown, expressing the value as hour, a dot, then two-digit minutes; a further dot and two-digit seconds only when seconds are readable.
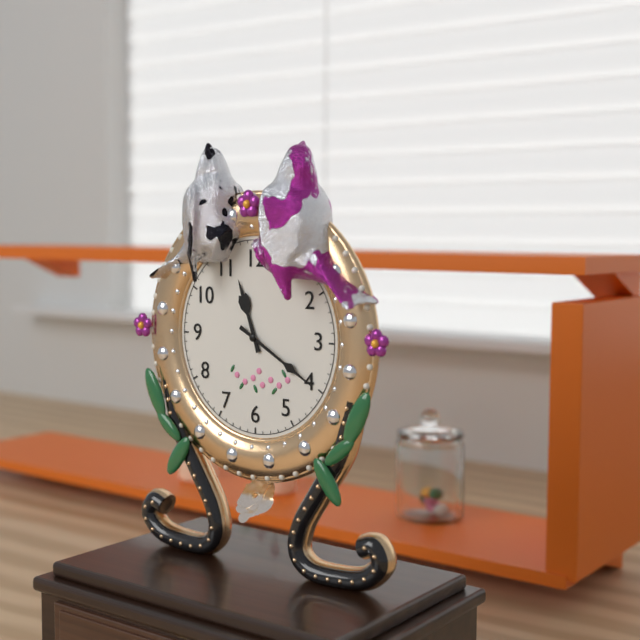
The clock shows 11.20
